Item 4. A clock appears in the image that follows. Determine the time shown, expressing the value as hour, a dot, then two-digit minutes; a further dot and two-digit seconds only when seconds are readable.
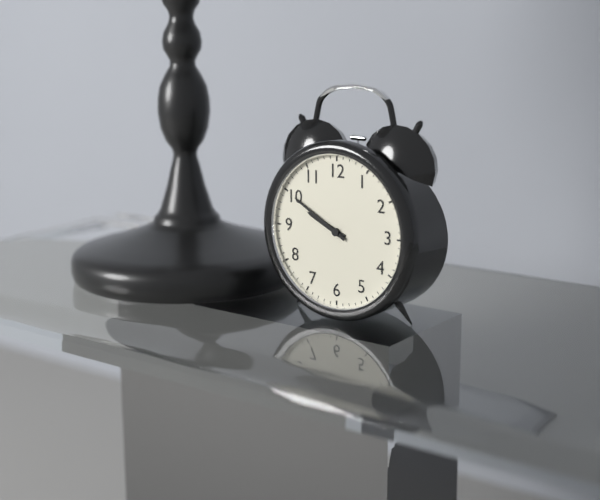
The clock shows 9.50
